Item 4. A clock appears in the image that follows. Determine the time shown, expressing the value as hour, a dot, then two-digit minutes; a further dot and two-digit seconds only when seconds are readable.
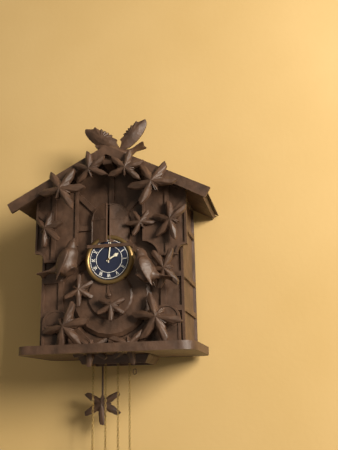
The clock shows 2.01
